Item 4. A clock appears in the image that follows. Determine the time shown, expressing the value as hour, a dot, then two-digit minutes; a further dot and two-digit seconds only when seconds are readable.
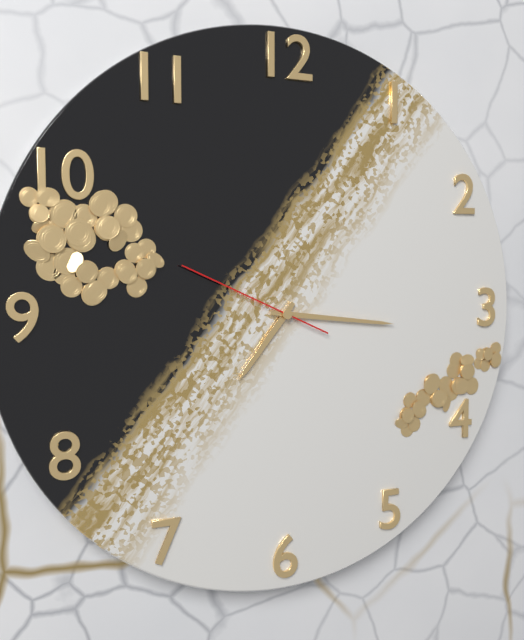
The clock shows 7.16.49
